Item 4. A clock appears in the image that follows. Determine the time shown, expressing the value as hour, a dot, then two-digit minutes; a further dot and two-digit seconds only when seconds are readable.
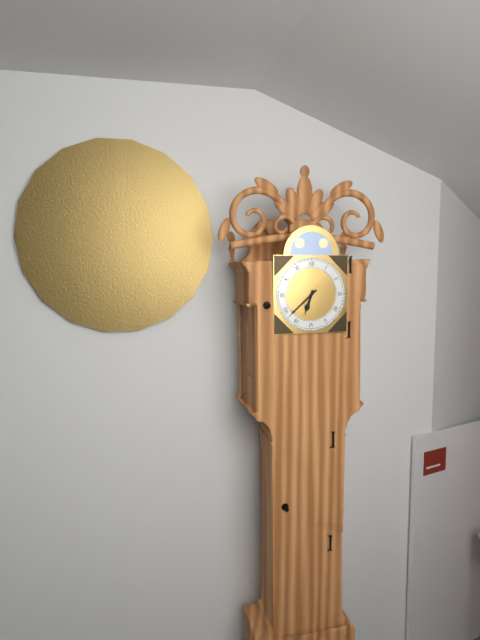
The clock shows 6.38
